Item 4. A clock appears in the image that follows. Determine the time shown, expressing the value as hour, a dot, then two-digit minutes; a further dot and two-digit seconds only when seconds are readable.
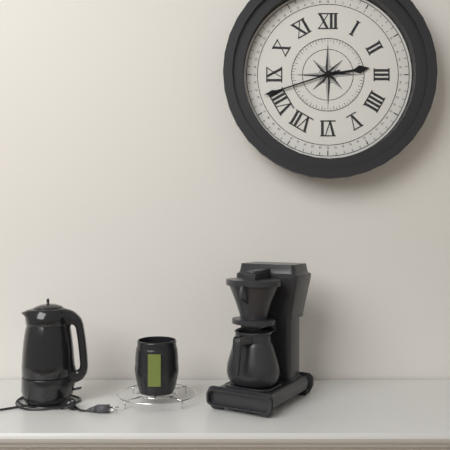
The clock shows 2.42
